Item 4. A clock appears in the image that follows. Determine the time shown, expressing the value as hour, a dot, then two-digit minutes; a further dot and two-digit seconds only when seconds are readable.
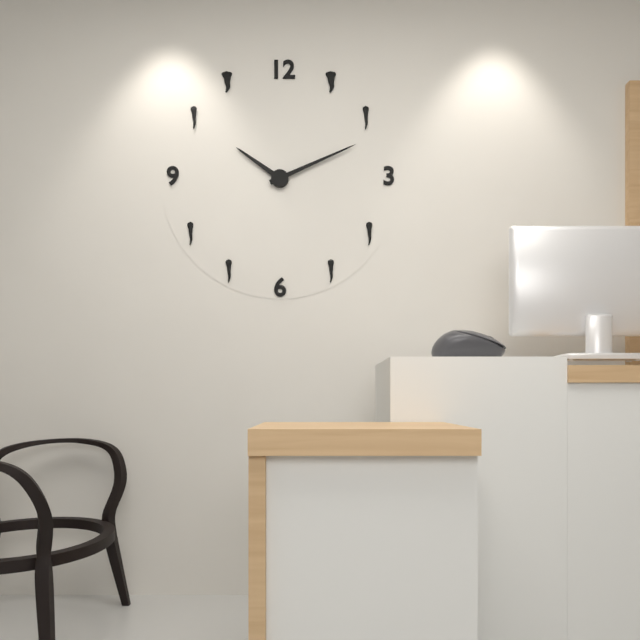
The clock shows 10.11
